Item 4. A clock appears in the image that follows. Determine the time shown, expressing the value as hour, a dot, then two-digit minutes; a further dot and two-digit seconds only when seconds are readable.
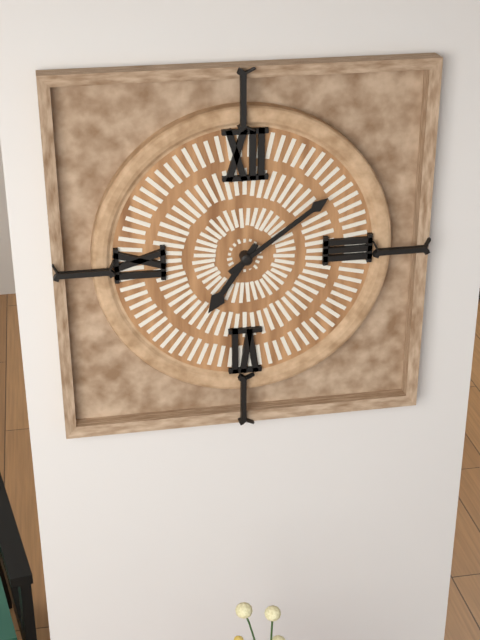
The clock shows 7.09
